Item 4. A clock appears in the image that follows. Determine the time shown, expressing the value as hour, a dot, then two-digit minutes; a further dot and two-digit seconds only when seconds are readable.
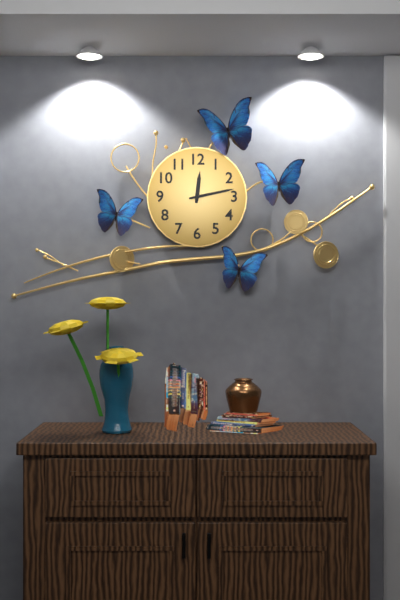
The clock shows 12.13
